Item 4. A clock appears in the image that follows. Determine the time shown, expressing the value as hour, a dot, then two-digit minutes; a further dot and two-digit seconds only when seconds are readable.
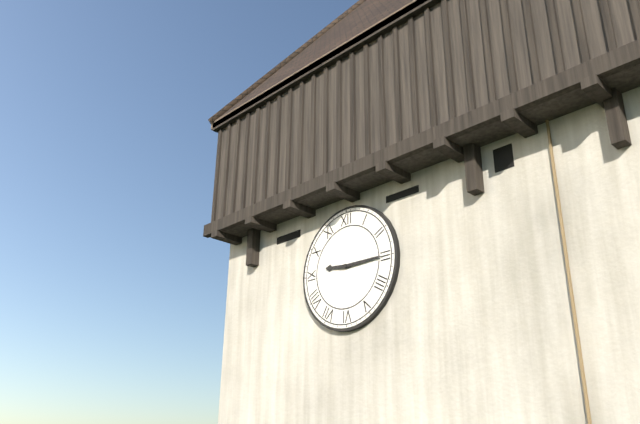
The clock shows 9.15
